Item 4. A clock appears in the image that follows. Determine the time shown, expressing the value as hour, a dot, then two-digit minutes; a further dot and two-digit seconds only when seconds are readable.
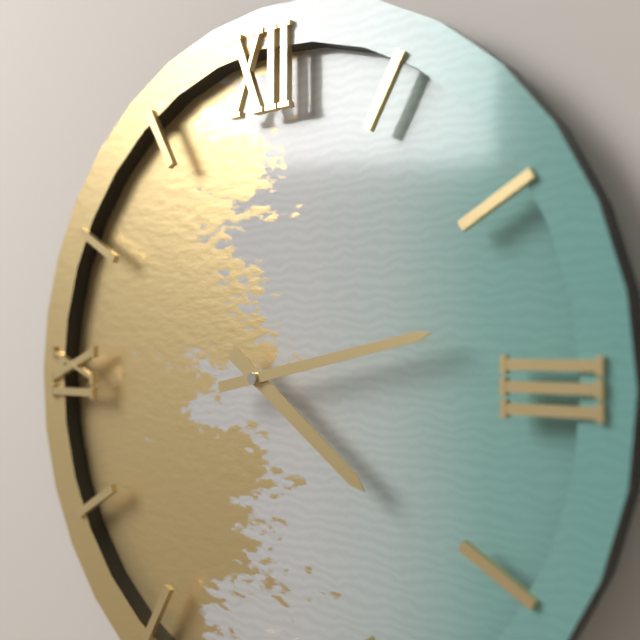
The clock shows 4.13
